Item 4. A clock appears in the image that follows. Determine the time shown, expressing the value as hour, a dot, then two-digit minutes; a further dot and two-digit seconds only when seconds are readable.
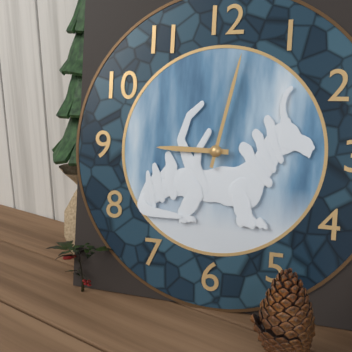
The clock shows 9.02
